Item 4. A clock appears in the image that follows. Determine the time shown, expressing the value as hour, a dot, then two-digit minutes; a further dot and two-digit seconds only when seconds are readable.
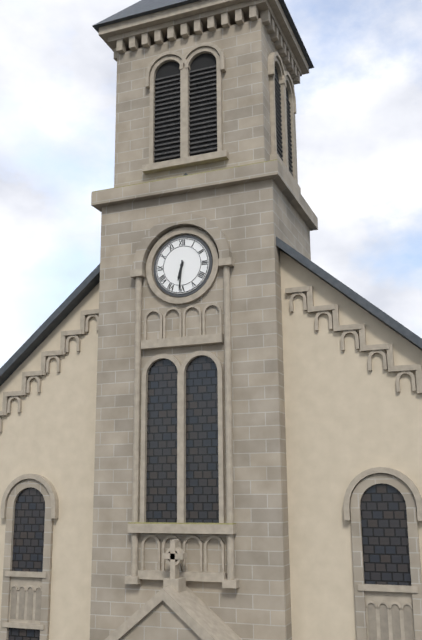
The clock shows 6.31
